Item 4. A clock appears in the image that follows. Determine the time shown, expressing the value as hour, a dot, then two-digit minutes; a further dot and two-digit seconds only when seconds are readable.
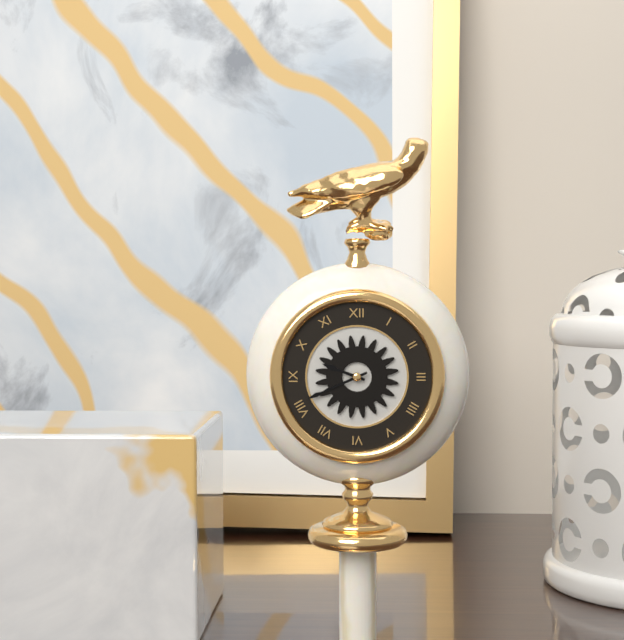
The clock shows 9.41
